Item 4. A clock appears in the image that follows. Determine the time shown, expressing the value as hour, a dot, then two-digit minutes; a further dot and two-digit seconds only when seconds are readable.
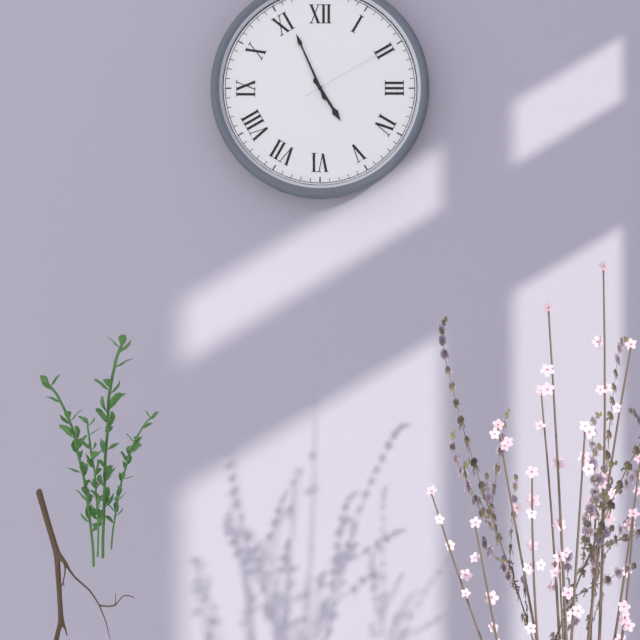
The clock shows 4.56.10
